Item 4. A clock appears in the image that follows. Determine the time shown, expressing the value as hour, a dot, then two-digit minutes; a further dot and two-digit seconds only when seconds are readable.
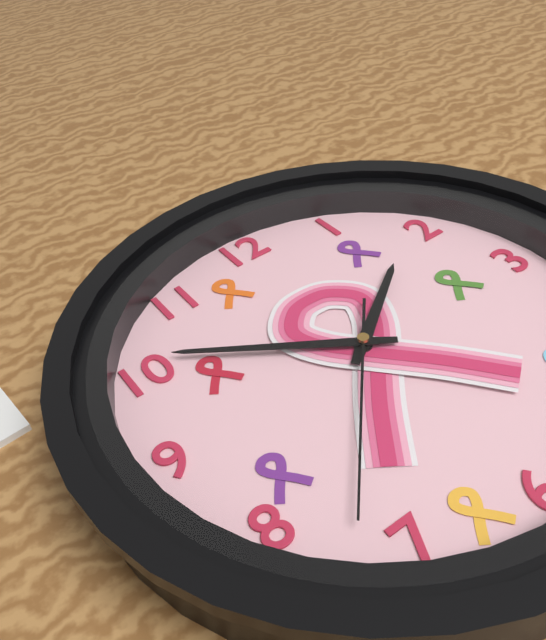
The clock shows 1.51.37
